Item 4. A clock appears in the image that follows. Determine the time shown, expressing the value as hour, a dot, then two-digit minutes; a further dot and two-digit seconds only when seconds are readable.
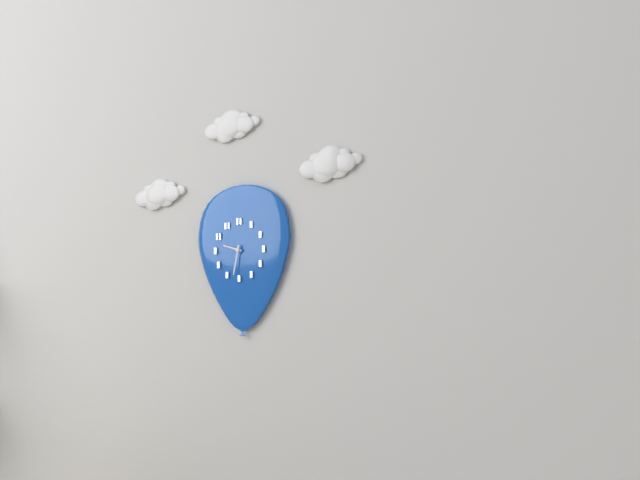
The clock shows 9.32
